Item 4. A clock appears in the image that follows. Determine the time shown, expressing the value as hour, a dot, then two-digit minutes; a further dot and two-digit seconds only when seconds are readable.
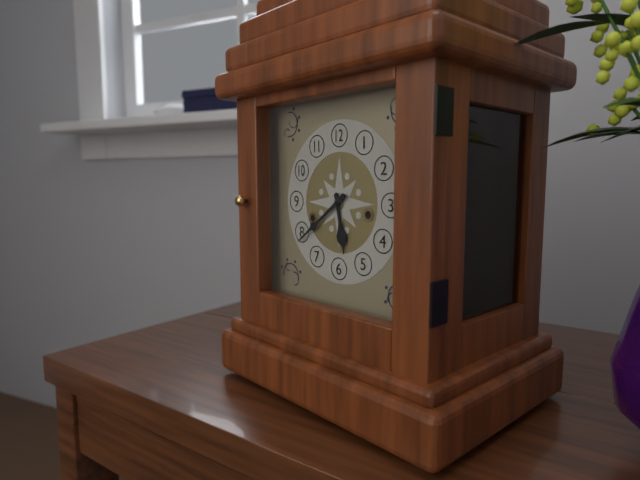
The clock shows 5.39
